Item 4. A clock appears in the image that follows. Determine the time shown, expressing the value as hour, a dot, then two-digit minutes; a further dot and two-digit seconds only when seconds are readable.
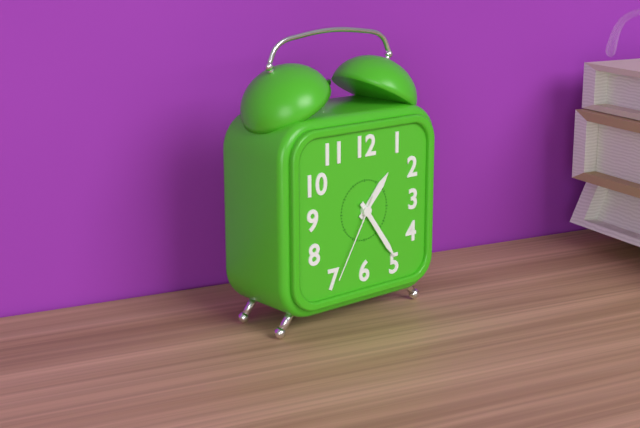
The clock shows 1.24.35
